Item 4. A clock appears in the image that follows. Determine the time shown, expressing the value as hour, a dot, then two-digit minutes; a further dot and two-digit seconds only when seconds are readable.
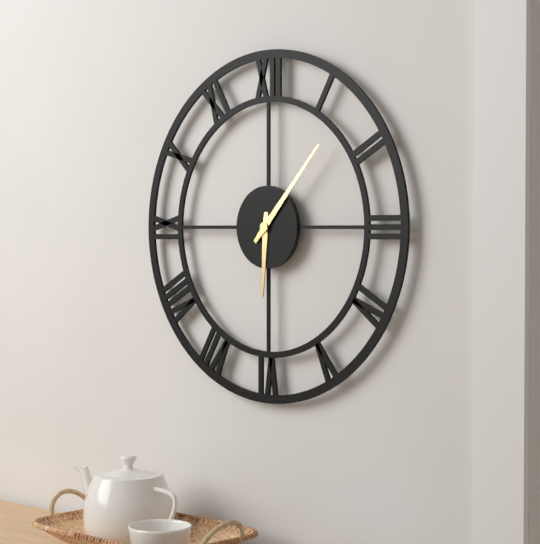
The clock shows 6.07
